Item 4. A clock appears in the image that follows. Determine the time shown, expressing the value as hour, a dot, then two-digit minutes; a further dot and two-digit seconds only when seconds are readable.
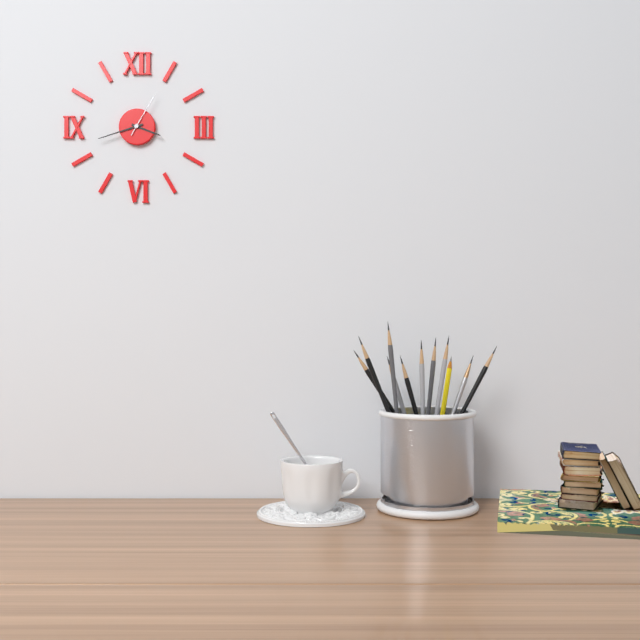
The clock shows 3.42
